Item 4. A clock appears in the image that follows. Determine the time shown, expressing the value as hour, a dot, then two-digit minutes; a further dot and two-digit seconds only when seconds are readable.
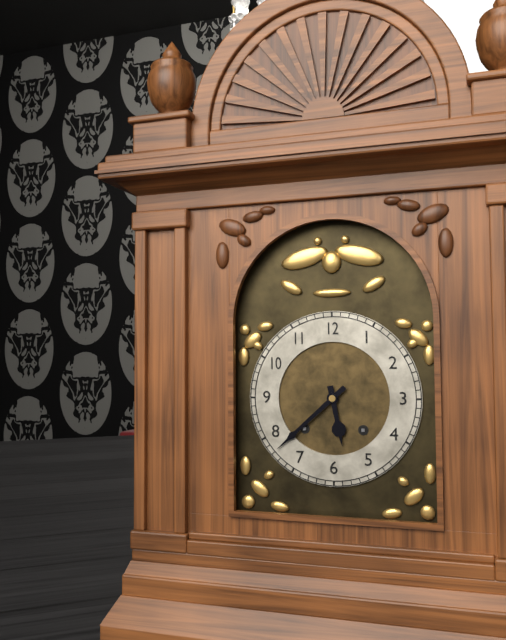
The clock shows 5.38
